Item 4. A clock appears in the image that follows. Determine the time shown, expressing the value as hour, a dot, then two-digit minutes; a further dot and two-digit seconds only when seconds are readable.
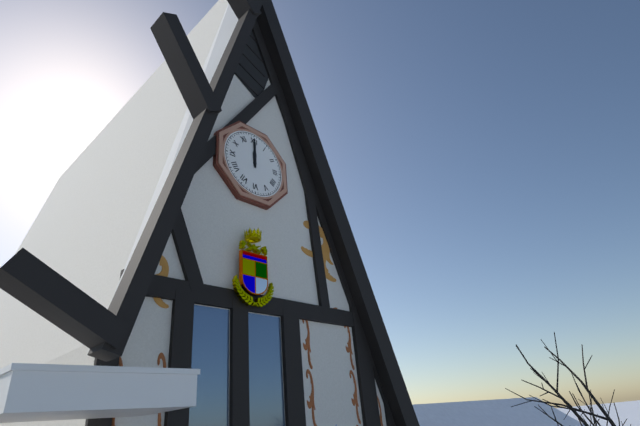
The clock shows 12.00
